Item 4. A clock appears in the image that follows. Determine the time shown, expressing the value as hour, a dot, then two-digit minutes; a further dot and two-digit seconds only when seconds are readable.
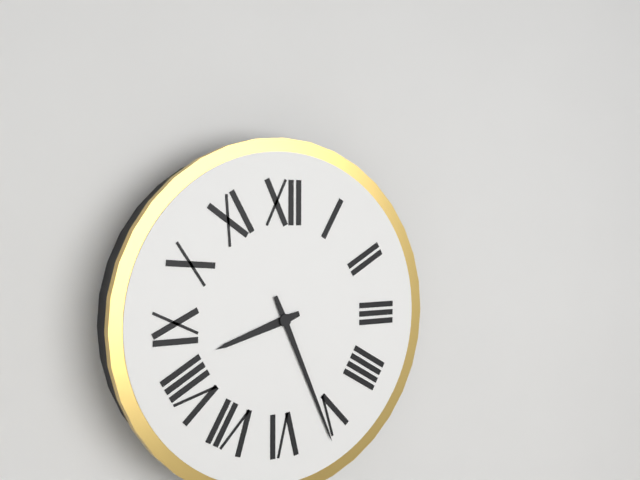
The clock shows 8.26
